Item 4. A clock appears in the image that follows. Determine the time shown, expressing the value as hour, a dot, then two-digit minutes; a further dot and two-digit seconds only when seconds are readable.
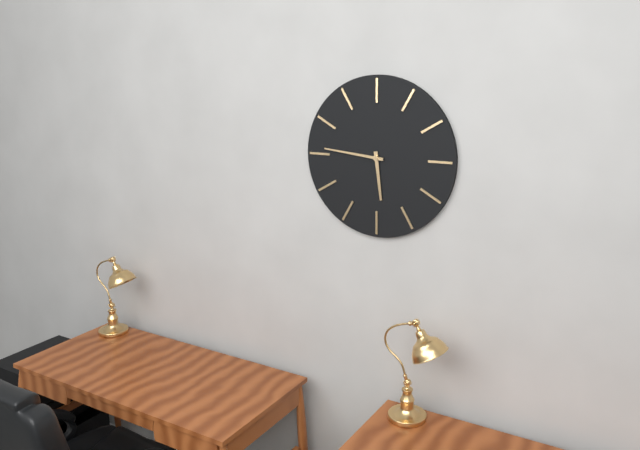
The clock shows 5.46
